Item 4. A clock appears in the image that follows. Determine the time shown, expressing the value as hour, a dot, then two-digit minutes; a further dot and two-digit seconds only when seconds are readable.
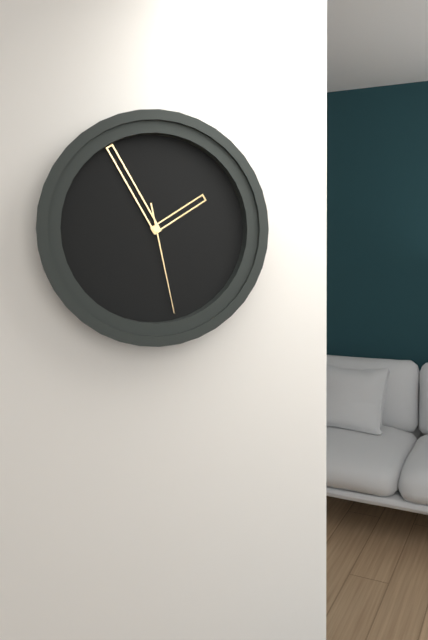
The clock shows 1.55.28
